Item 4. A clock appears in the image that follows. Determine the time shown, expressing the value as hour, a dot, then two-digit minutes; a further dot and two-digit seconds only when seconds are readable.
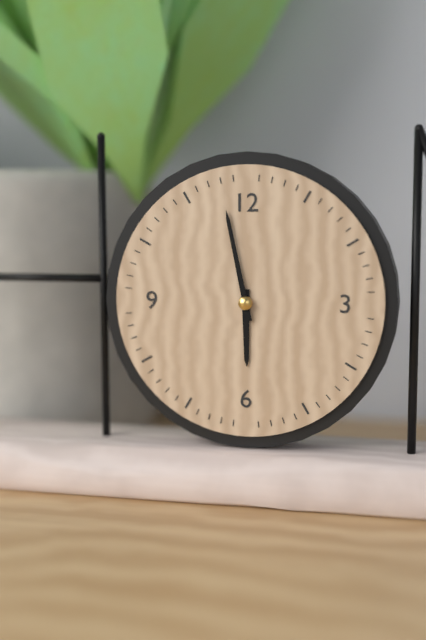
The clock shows 5.58
